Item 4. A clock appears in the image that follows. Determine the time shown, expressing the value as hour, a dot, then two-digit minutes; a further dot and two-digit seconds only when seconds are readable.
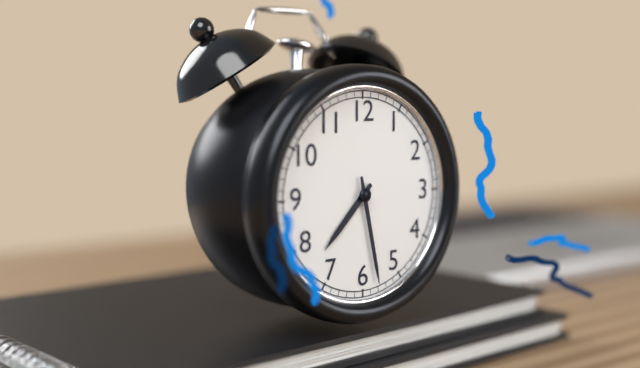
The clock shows 7.28
